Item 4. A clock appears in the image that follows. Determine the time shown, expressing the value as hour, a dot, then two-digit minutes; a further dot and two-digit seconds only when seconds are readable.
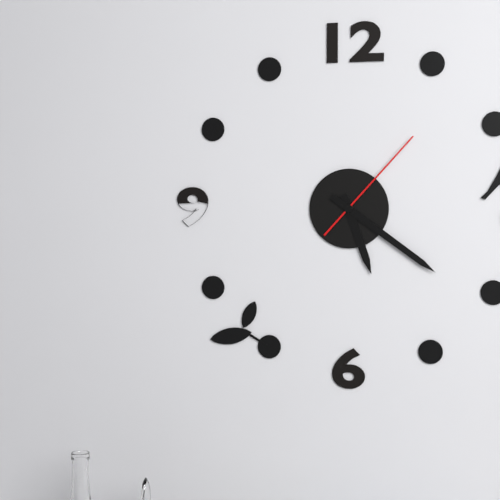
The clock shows 5.21.07
